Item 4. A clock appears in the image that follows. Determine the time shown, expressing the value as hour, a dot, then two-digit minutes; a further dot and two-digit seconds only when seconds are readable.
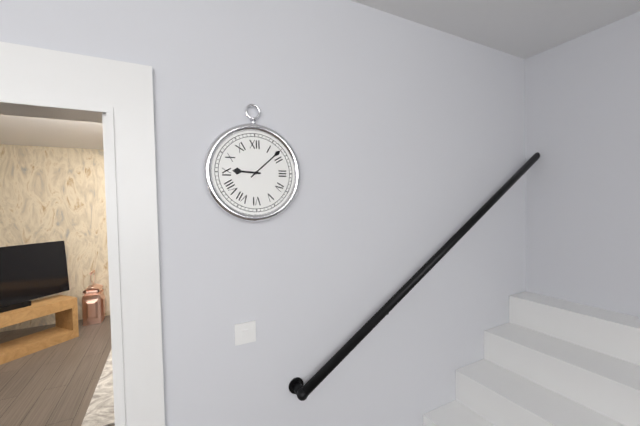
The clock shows 9.08
